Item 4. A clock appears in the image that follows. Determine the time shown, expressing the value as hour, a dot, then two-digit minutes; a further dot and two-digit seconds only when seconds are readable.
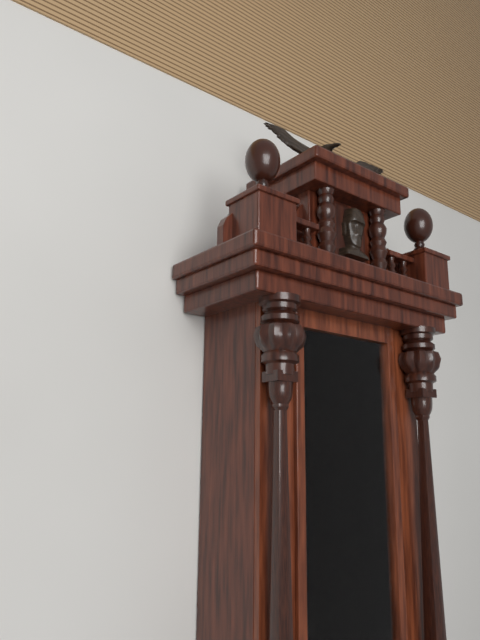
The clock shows 2.54
